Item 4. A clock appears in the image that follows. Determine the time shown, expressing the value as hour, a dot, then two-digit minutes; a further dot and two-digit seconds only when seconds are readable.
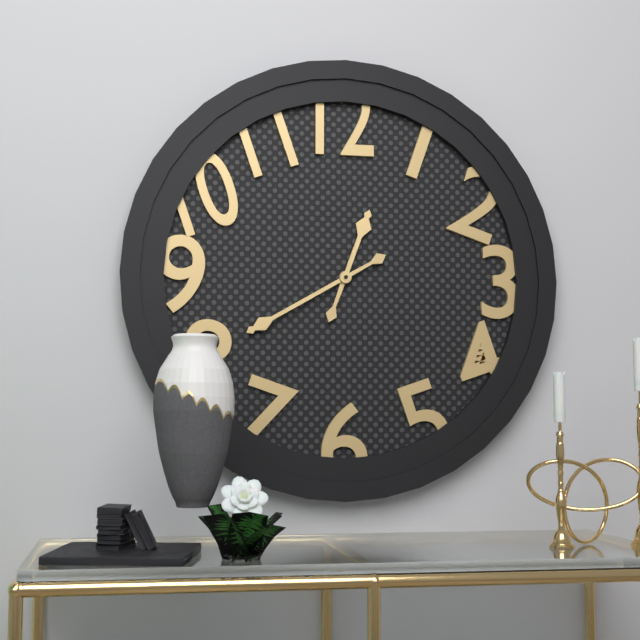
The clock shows 12.40
